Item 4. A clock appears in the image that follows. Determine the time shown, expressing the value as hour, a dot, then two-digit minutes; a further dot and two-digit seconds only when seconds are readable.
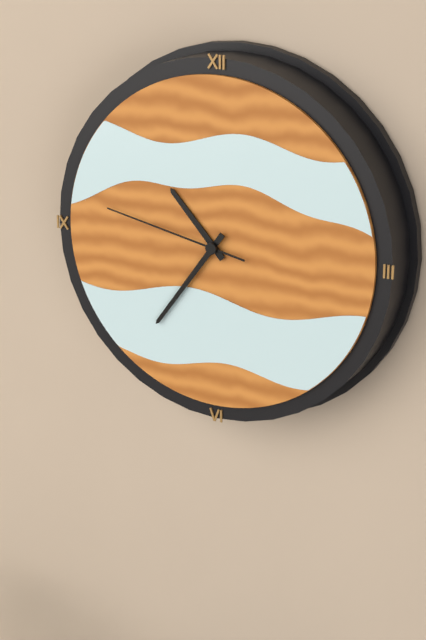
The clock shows 10.36.47
